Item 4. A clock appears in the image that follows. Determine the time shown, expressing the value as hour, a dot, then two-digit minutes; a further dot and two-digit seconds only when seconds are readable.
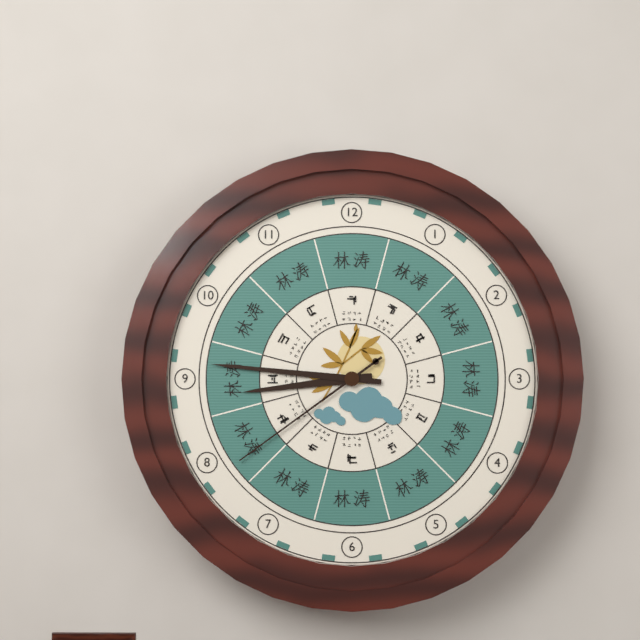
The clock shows 8.46.39
